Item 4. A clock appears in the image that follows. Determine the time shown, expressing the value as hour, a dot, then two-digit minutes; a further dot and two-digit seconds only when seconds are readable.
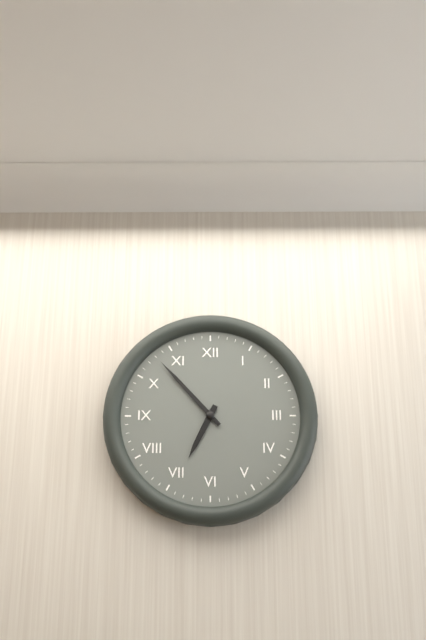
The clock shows 6.53
